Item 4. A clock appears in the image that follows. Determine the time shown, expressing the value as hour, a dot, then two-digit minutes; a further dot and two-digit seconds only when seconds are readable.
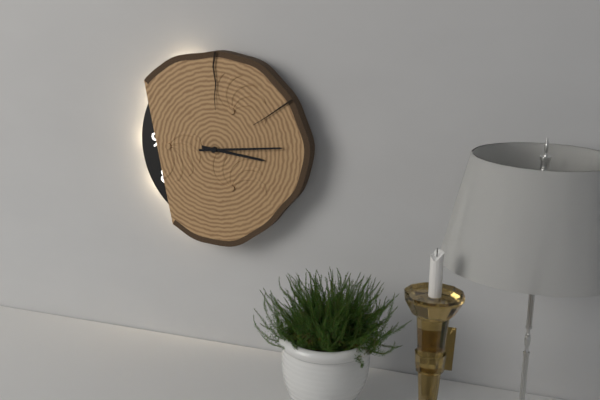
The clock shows 3.14
